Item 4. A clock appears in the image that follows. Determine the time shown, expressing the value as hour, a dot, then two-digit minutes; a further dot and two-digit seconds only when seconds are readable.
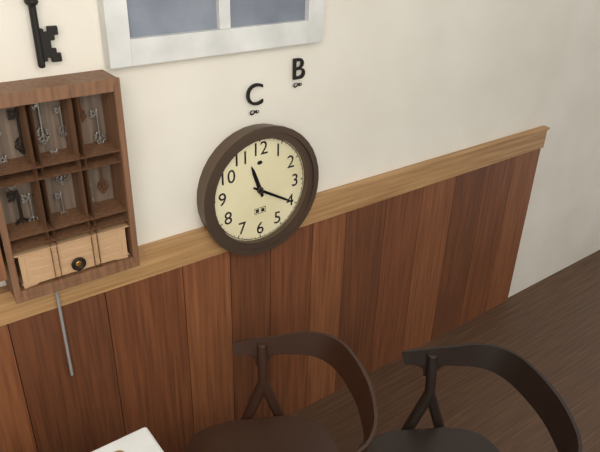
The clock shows 11.20
